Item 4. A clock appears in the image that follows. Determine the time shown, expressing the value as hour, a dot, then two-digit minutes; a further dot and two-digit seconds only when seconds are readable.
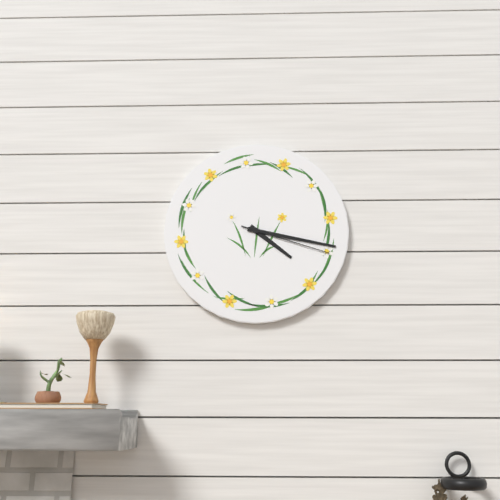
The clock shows 4.17.18
